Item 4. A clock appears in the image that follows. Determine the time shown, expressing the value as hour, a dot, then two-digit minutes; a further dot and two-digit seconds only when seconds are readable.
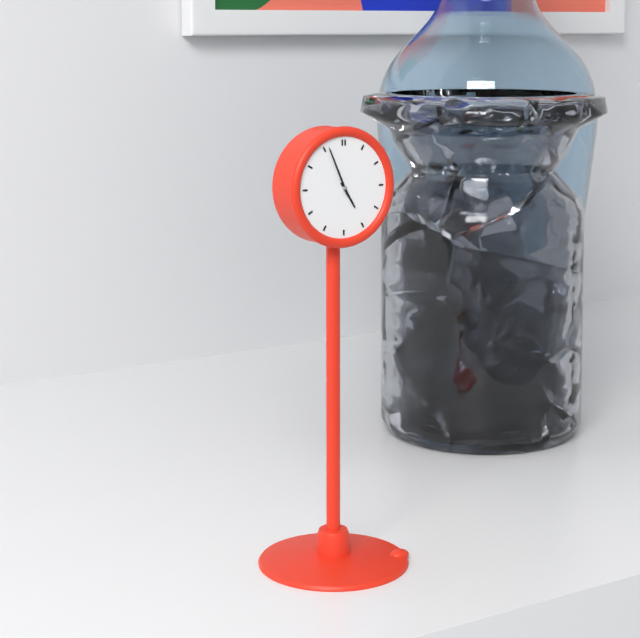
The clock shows 4.56
